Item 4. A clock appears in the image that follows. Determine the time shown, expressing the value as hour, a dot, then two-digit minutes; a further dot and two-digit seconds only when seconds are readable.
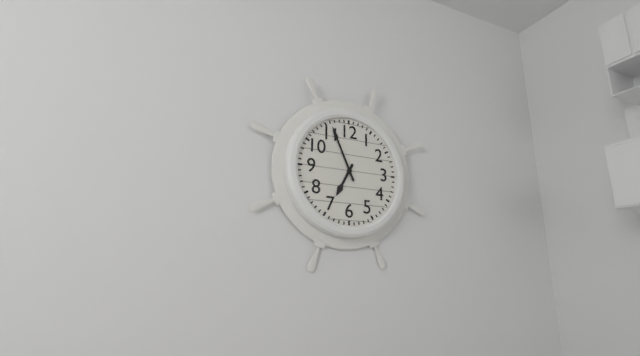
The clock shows 6.56
